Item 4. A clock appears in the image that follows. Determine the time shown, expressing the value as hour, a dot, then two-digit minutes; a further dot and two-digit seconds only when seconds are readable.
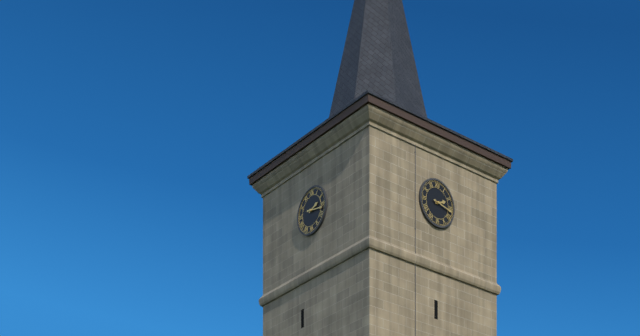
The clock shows 2.17
